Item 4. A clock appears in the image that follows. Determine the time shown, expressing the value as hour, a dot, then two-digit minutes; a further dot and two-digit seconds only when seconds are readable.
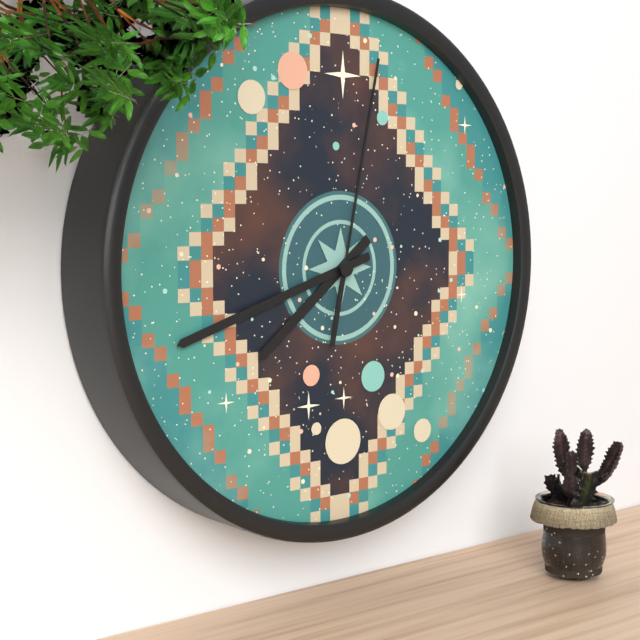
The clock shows 7.42.02
